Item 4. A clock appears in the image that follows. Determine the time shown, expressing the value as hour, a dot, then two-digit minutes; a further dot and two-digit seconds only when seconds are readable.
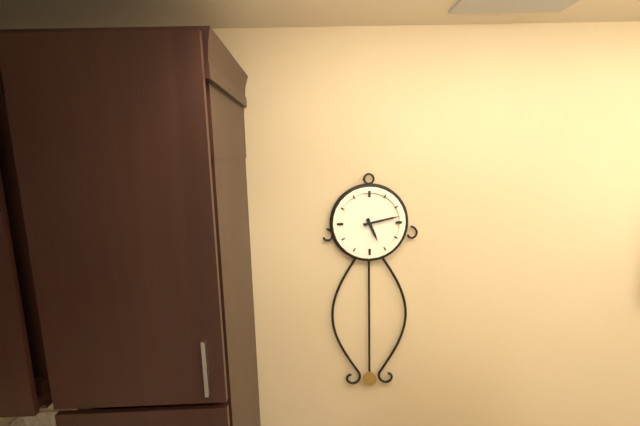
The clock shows 5.13
